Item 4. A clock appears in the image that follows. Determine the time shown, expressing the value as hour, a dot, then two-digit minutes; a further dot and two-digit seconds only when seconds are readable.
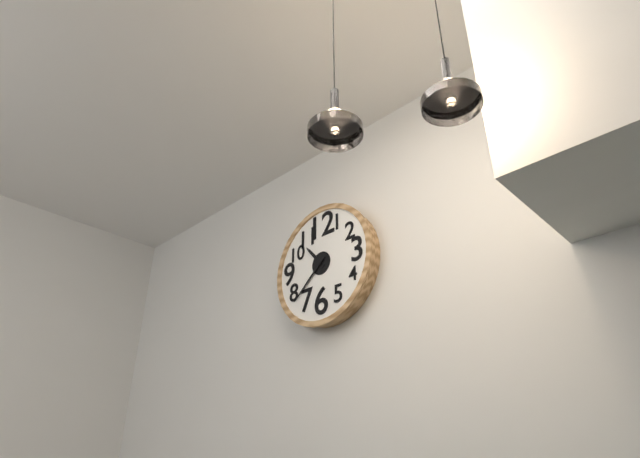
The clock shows 10.38
